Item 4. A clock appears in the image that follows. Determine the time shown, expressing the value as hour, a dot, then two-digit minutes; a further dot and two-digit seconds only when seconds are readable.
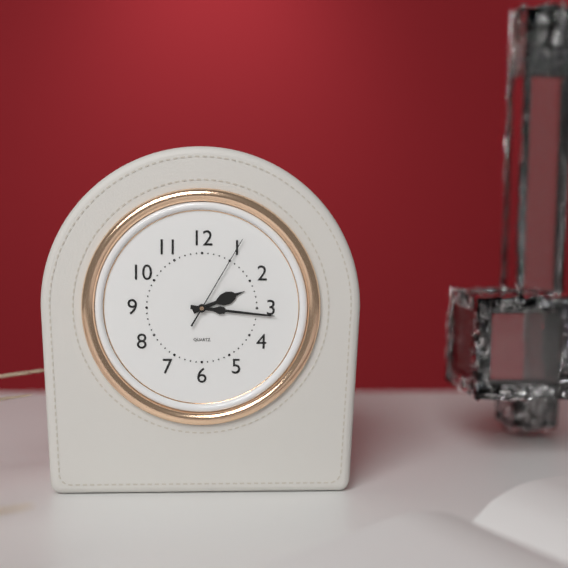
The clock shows 2.16.05
